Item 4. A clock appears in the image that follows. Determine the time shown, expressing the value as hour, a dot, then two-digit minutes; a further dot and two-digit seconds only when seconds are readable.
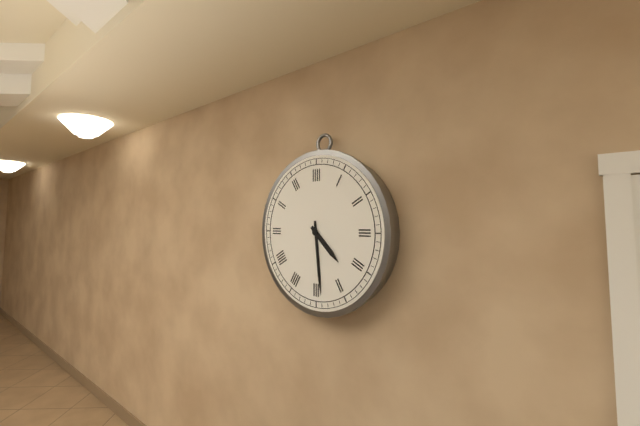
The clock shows 4.29
